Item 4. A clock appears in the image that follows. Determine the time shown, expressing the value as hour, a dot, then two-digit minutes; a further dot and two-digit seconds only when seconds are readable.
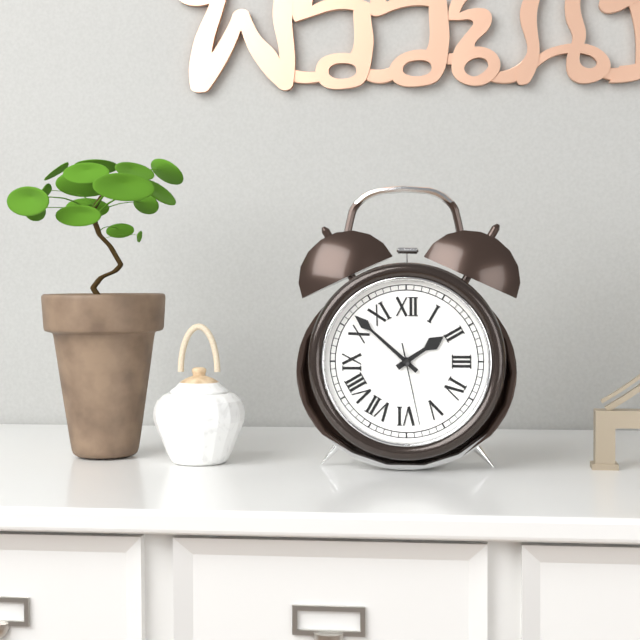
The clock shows 1.52.28
